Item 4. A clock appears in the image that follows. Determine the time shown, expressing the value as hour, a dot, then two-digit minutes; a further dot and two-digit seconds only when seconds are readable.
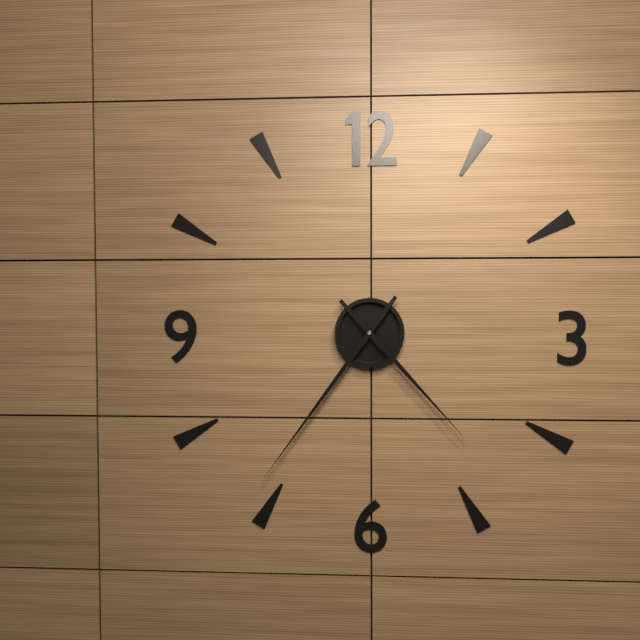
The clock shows 4.36
